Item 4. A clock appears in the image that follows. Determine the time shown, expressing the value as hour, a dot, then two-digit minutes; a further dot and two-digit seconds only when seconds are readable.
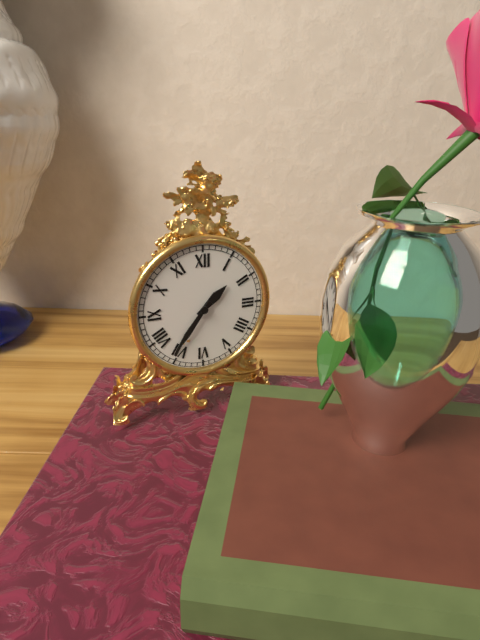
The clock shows 1.36
